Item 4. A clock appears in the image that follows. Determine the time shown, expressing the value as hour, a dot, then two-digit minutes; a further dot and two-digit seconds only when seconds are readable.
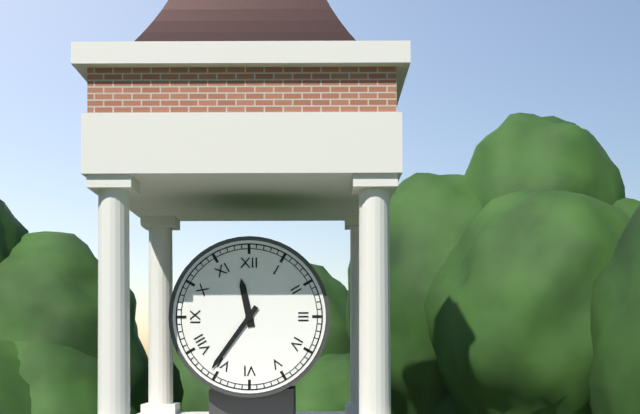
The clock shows 11.36
